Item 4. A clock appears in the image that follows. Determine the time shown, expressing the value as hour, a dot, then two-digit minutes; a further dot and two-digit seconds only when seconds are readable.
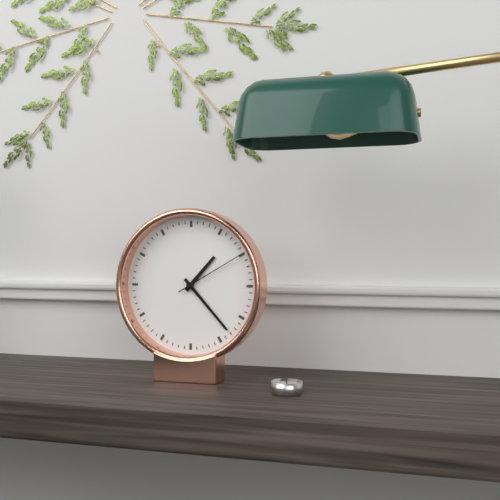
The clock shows 1.23.10
